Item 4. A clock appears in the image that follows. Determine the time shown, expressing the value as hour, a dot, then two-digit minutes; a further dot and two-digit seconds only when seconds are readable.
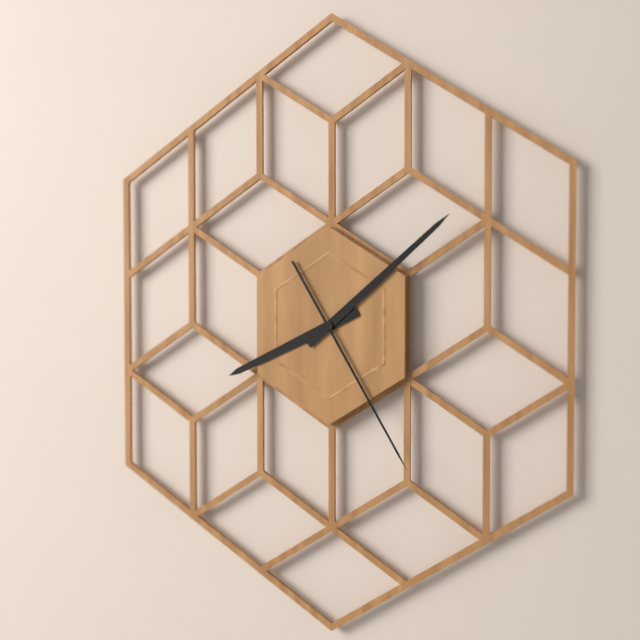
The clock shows 8.08.25
